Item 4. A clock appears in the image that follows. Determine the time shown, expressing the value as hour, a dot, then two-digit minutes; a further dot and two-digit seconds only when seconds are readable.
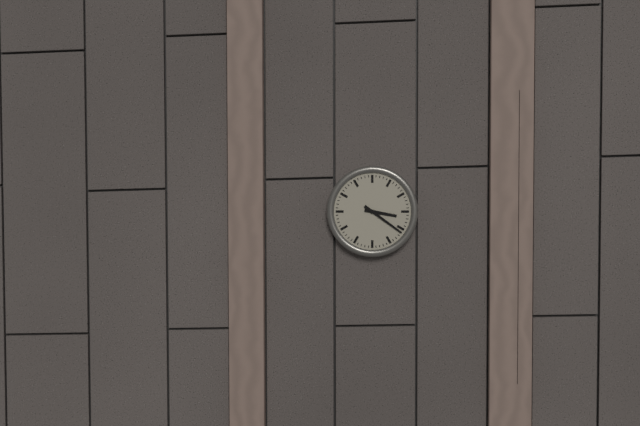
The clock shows 3.21
